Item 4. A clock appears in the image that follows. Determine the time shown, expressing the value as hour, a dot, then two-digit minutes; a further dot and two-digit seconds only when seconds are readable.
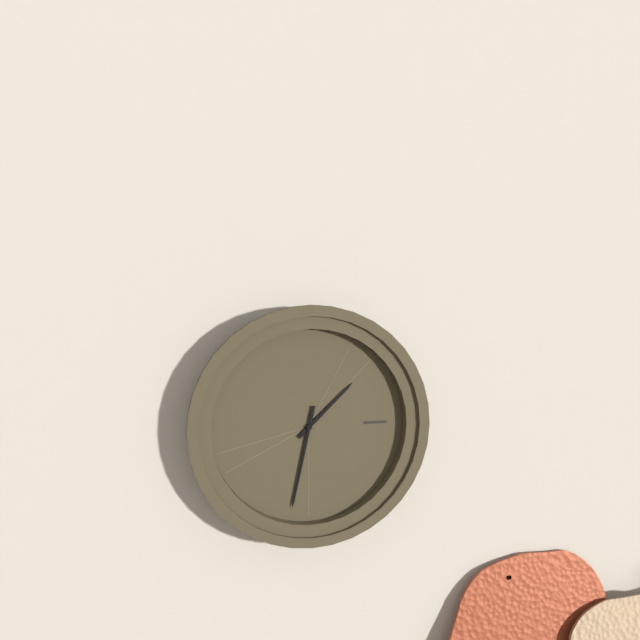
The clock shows 1.32
